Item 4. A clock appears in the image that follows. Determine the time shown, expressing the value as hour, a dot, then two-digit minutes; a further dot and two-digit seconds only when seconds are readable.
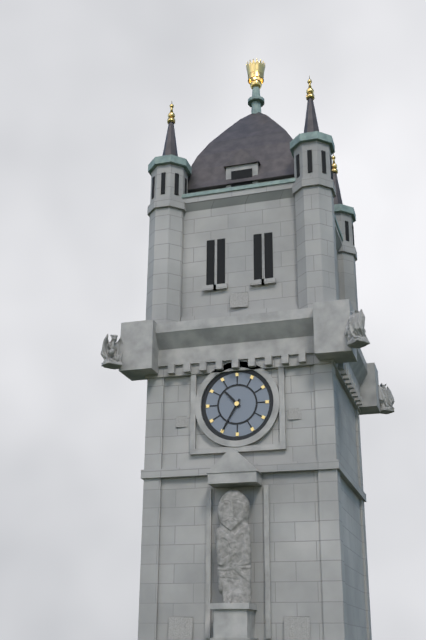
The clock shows 10.35
